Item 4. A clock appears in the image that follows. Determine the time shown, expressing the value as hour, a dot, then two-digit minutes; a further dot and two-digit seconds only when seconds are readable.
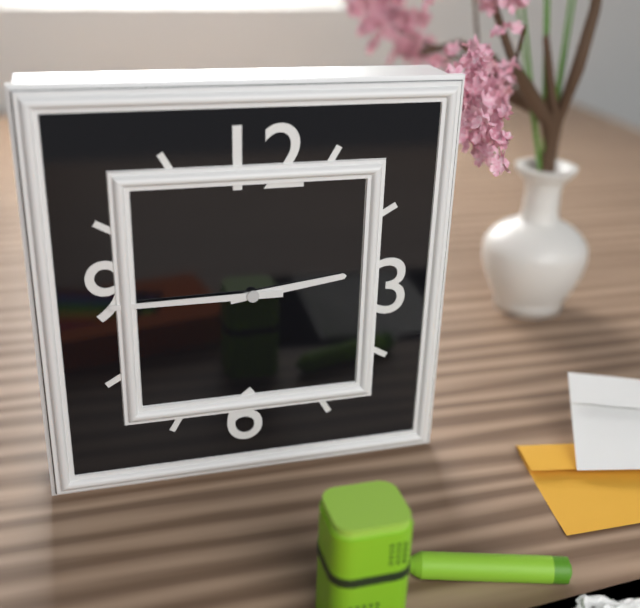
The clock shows 2.45
